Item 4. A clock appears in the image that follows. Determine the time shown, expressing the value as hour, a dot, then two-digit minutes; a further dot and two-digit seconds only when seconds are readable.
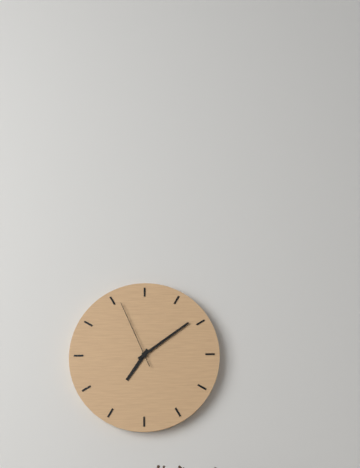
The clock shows 7.09.56
